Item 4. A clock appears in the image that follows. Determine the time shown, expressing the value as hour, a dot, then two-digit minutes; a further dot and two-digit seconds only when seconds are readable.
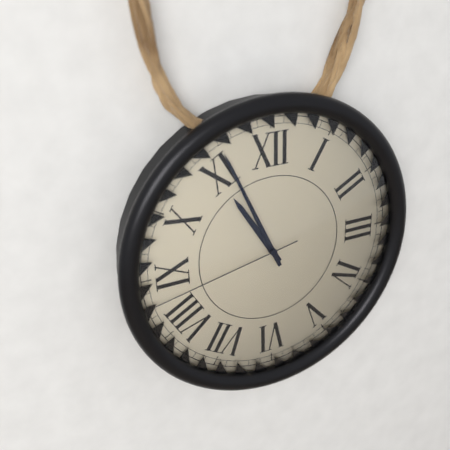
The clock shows 10.56.43
